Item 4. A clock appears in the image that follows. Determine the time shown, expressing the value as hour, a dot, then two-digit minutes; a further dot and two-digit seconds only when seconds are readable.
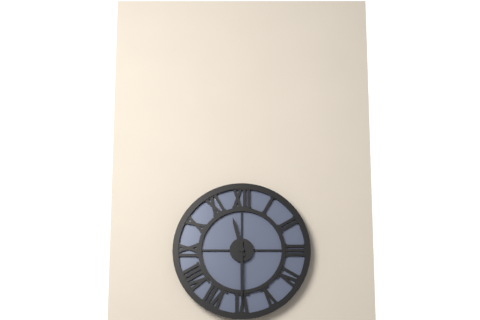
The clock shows 11.30
